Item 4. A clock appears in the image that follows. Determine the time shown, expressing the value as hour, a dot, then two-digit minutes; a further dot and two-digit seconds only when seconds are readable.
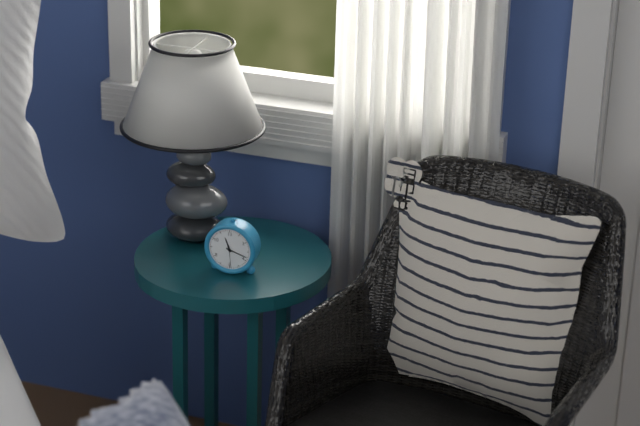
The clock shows 11.18
